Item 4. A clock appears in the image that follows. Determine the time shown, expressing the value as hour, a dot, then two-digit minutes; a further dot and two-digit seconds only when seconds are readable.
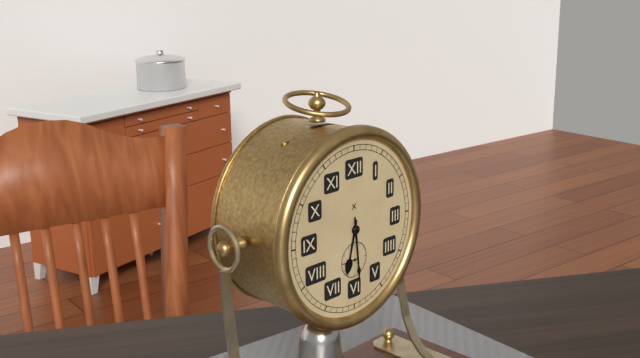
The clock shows 6.29
